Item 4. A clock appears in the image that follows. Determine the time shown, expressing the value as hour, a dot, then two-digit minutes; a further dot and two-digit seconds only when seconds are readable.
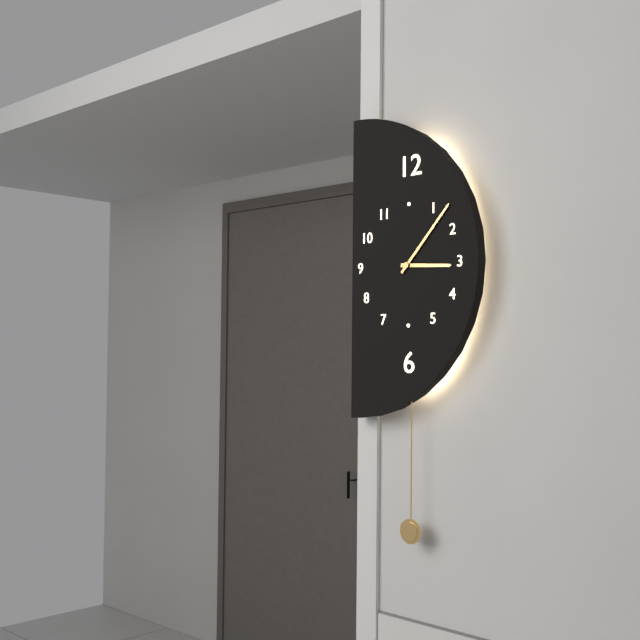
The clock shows 3.07
